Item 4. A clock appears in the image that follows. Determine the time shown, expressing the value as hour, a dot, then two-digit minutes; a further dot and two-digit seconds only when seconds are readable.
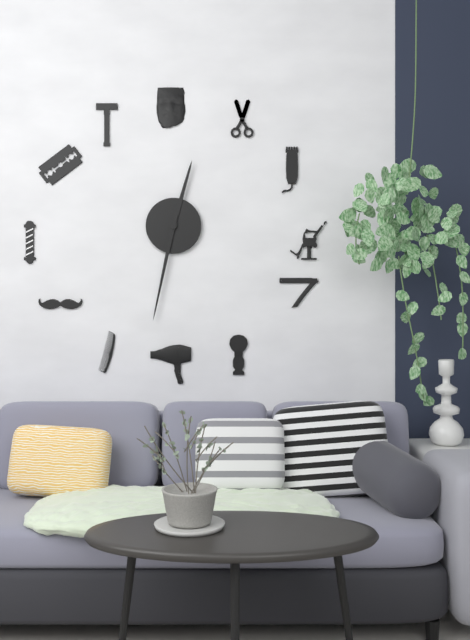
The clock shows 12.32
